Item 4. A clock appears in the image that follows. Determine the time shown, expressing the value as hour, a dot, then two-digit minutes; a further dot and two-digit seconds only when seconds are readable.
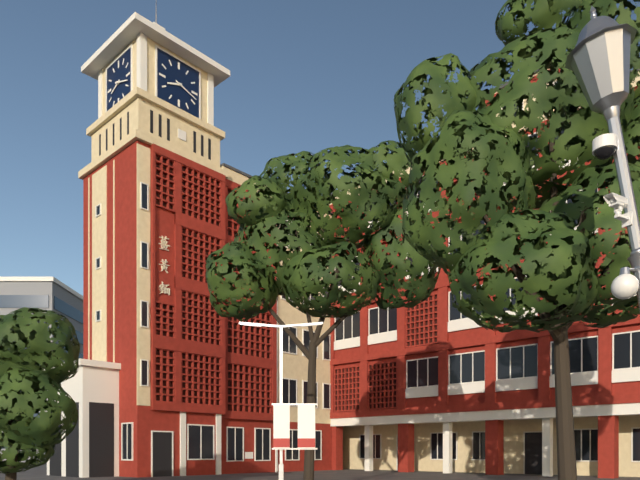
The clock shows 8.18
